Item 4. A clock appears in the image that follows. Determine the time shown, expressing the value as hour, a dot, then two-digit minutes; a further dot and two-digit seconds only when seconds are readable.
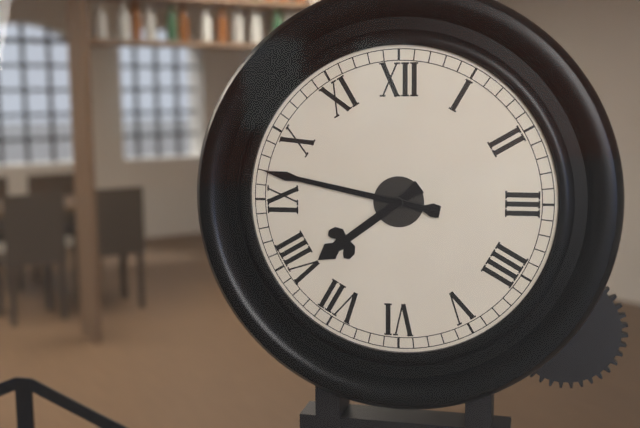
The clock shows 7.47
